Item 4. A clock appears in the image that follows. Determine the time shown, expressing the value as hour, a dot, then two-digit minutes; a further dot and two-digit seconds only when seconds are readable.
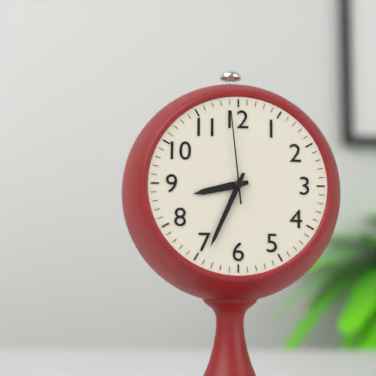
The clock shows 8.34.59
